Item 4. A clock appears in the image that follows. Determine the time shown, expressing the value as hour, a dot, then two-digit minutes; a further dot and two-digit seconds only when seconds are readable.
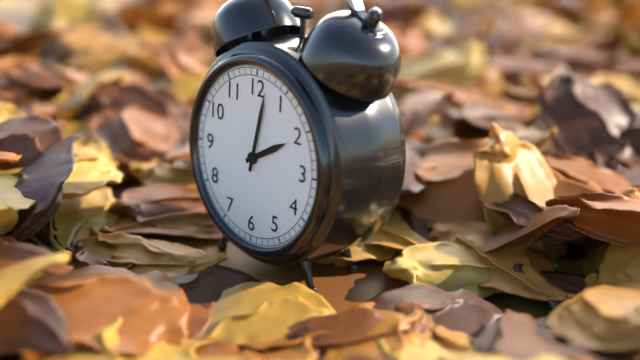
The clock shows 2.02
